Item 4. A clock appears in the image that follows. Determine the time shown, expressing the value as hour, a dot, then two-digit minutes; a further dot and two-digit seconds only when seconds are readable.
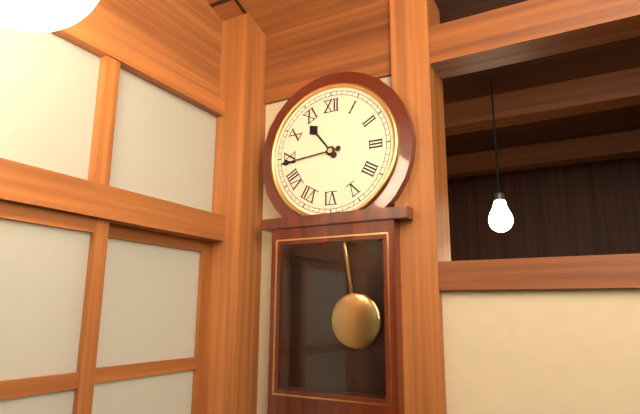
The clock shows 10.44
